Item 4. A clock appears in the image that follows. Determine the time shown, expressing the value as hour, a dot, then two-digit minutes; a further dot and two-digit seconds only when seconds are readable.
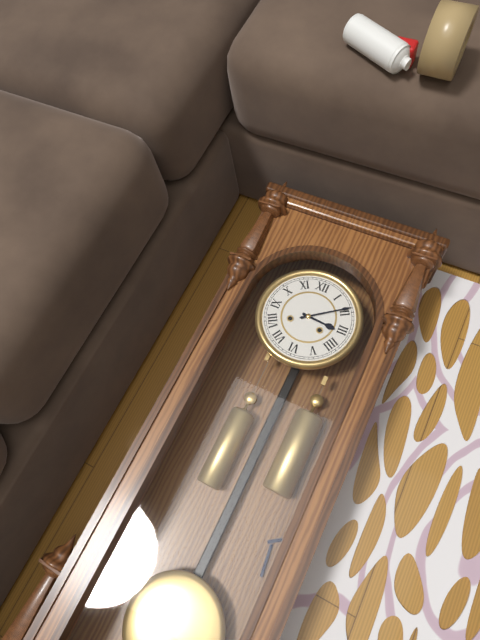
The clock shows 3.09
